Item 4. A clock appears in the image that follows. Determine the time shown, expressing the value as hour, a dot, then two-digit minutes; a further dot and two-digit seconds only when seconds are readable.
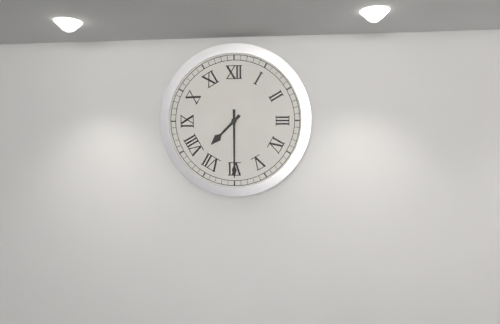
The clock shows 7.30
